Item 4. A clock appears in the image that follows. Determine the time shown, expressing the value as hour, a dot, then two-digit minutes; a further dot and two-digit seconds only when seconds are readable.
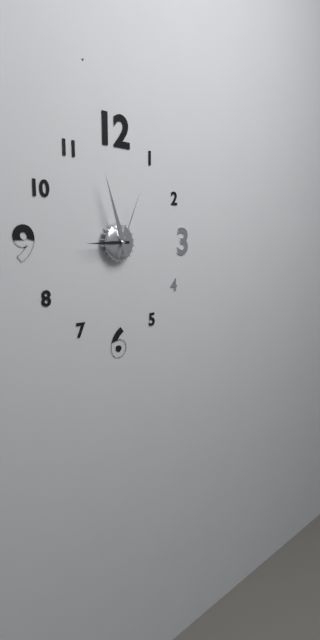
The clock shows 8.57.04
